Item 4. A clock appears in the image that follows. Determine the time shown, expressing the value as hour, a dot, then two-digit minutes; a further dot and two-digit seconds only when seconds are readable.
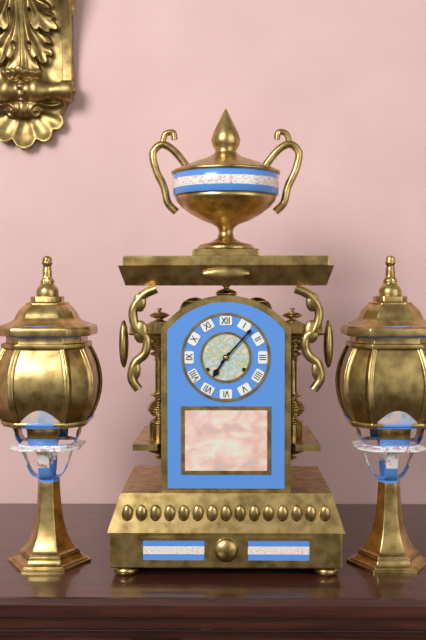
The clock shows 7.07
